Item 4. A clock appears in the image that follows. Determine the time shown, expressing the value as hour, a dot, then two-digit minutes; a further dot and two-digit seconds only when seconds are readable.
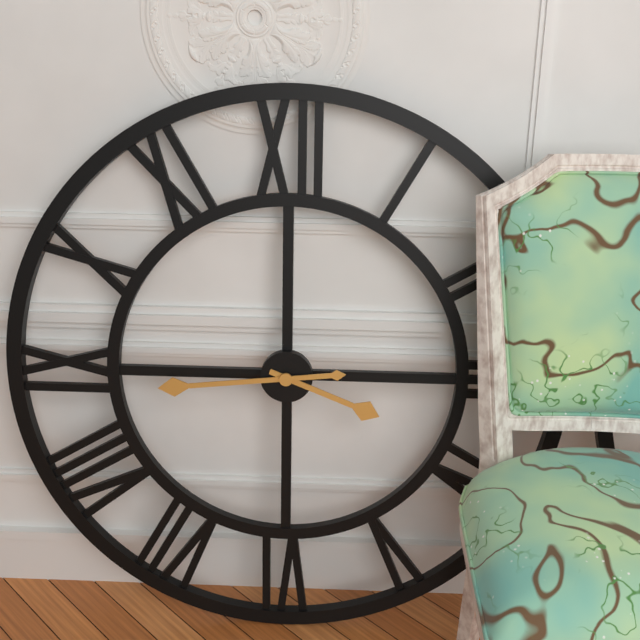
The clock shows 3.44
